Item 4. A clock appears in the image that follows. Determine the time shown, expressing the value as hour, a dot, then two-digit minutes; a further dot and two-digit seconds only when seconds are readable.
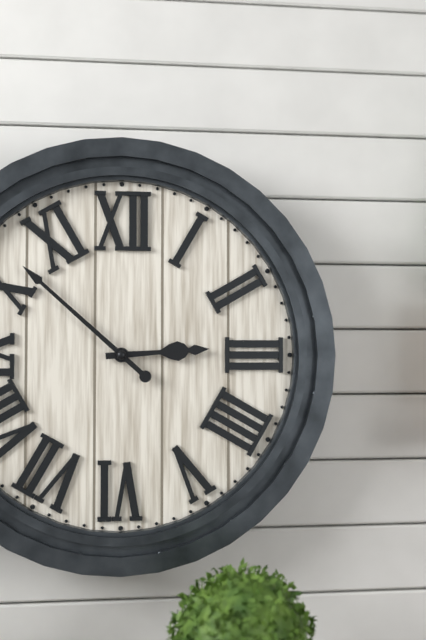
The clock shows 2.52
